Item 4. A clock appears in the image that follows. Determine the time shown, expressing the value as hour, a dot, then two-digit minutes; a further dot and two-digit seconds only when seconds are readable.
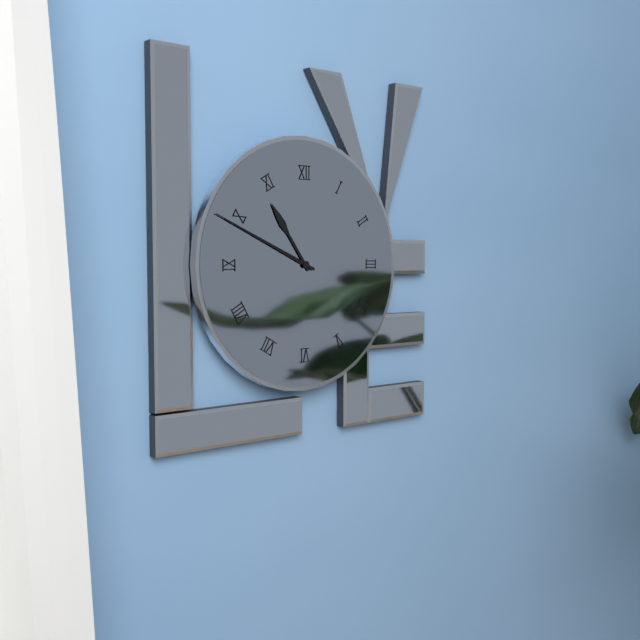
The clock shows 10.49
